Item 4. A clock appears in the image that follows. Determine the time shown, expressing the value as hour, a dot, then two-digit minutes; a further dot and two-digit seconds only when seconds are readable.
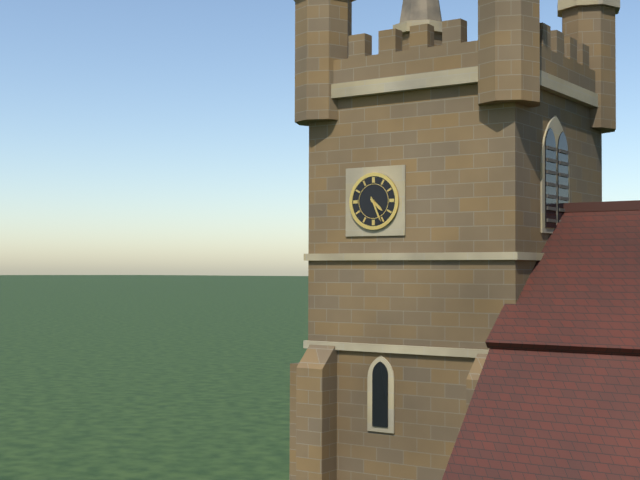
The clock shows 4.26
